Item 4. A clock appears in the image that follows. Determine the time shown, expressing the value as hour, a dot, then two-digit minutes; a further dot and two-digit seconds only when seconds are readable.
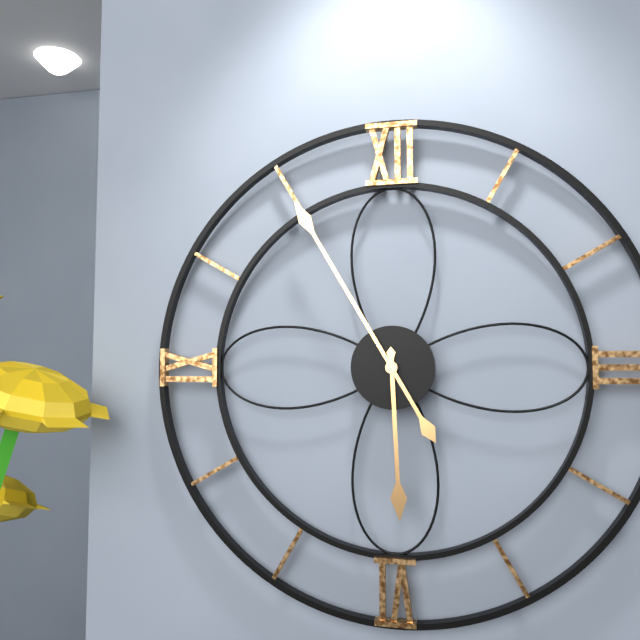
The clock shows 5.55
